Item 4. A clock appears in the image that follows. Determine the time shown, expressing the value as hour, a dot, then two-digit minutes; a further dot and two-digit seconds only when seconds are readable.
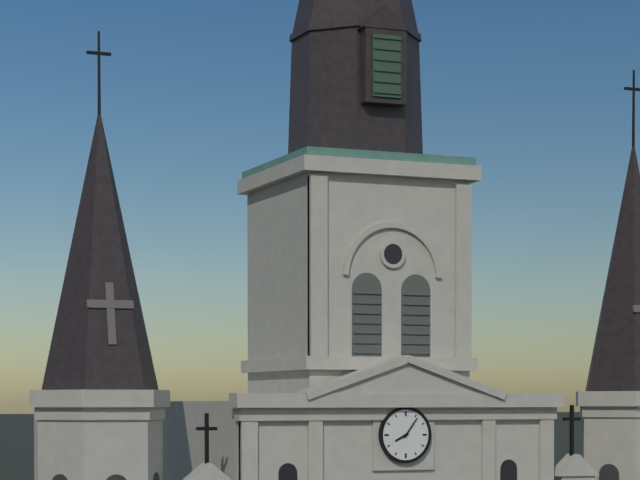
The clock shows 8.06
